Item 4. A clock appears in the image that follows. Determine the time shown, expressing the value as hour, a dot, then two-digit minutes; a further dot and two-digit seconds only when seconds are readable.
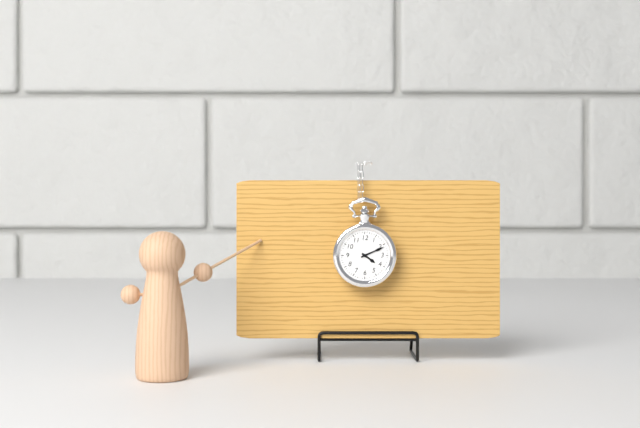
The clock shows 4.11
